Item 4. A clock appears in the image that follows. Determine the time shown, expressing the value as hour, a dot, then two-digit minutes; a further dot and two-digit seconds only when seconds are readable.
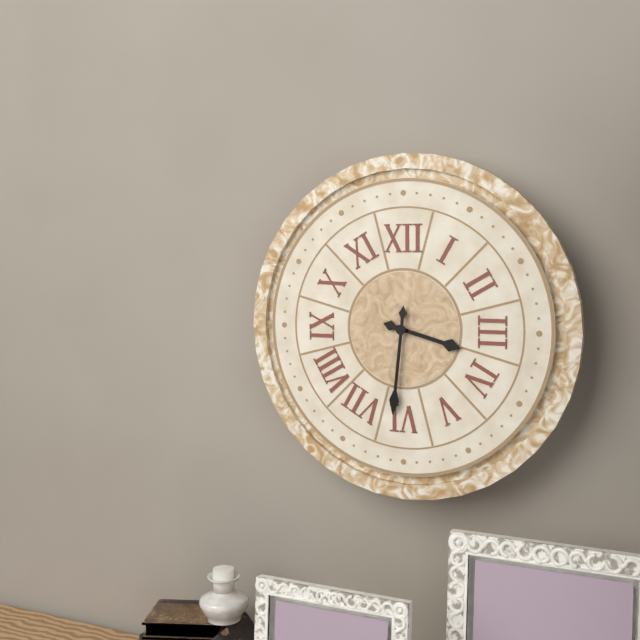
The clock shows 3.31
